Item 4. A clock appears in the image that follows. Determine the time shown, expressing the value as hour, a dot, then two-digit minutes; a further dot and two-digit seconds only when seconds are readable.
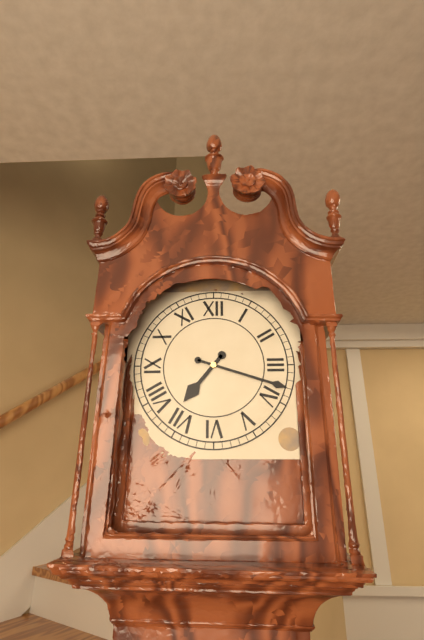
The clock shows 7.18
